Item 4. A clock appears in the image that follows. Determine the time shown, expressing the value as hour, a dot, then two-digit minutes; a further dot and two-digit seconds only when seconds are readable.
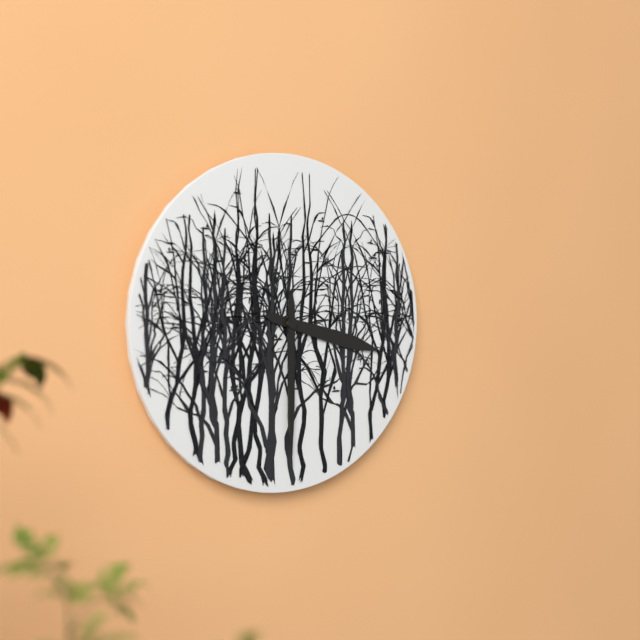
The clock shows 3.30
